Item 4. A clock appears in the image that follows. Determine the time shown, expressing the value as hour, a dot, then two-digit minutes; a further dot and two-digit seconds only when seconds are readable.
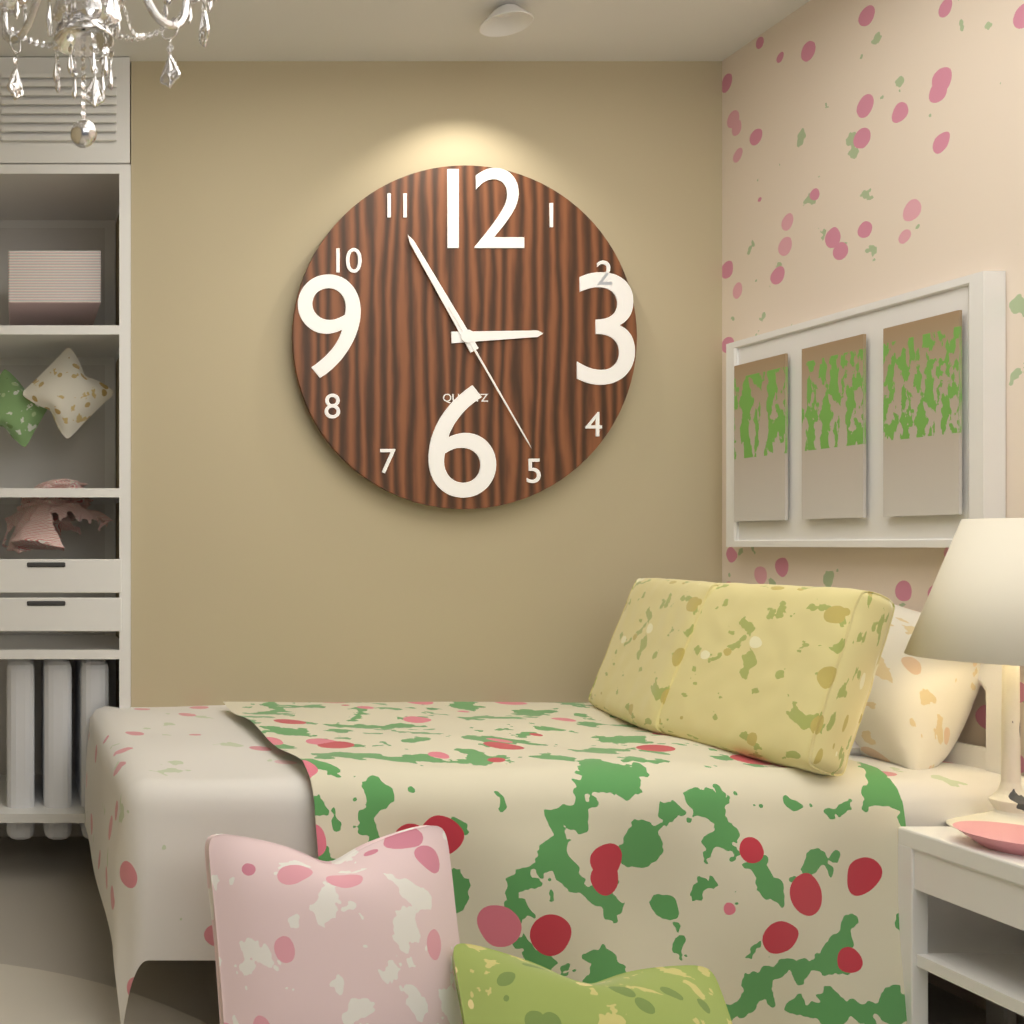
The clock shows 2.55.25
